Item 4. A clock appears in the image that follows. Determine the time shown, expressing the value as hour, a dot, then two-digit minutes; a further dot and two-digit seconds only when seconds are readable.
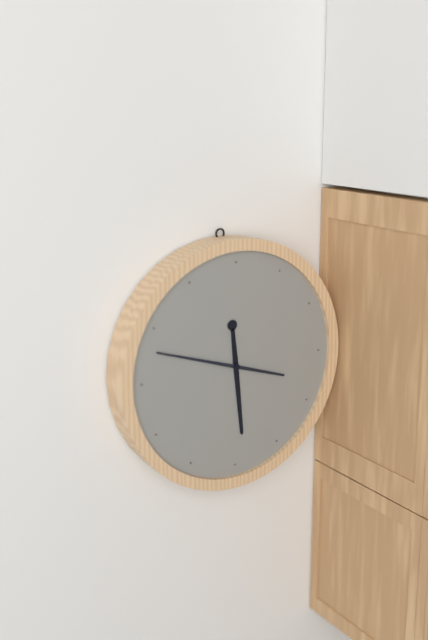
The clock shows 5.48
